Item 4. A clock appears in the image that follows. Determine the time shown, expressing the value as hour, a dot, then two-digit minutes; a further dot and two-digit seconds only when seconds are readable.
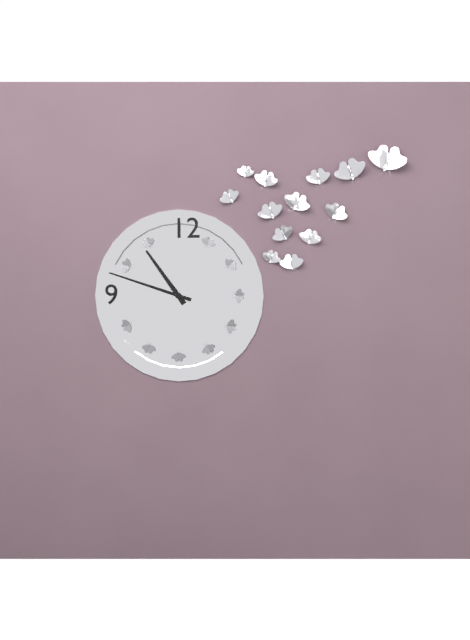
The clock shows 10.48
